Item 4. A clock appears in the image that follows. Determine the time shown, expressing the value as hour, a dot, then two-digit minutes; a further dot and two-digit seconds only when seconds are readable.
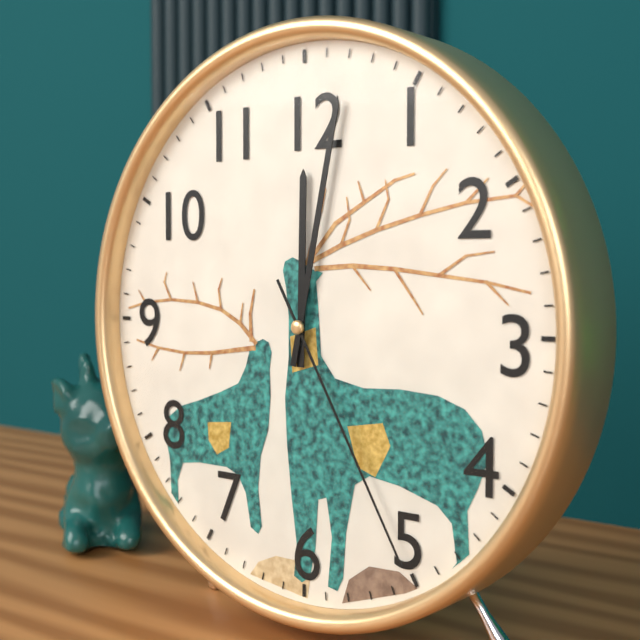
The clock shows 12.02.25
